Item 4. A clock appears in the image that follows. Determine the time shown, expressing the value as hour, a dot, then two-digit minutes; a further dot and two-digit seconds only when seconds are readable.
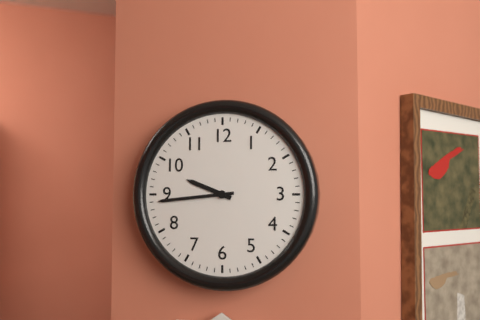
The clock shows 9.44
